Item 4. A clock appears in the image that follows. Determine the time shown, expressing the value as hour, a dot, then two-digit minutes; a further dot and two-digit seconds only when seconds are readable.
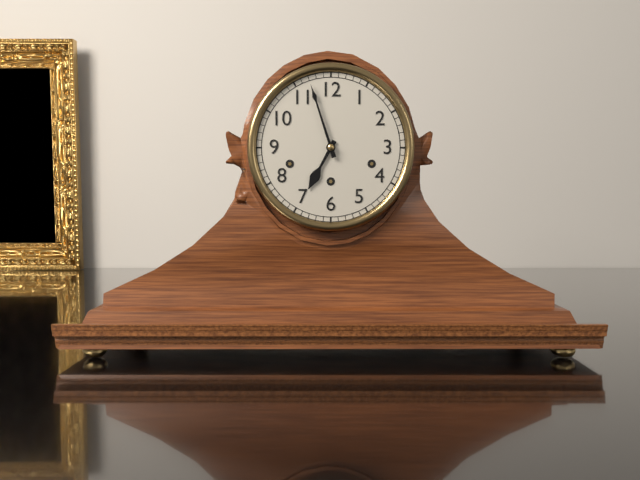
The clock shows 6.57
